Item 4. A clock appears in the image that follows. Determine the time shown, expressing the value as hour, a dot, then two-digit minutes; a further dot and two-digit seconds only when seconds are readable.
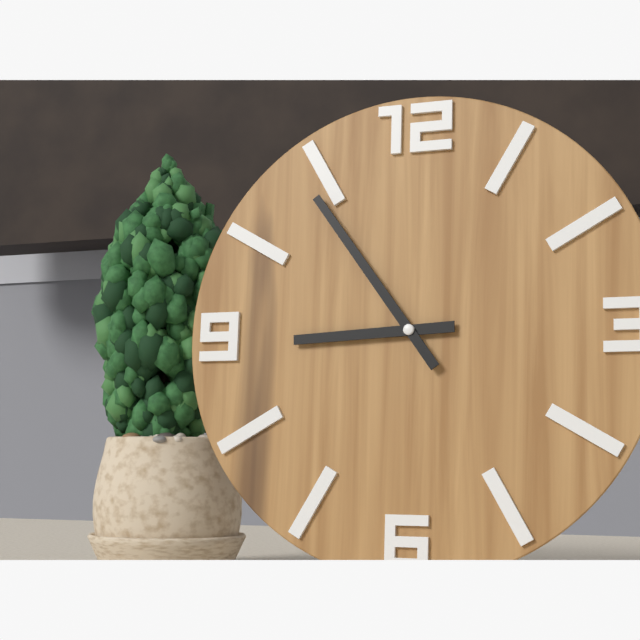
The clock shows 8.54
